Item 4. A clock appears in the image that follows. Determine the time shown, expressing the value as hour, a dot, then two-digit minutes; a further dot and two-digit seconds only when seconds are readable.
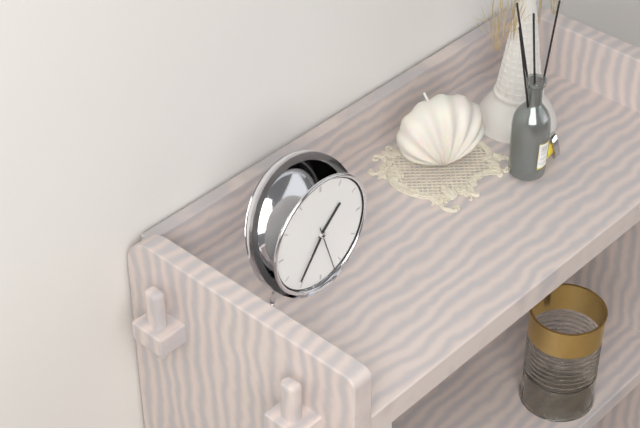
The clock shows 1.36
